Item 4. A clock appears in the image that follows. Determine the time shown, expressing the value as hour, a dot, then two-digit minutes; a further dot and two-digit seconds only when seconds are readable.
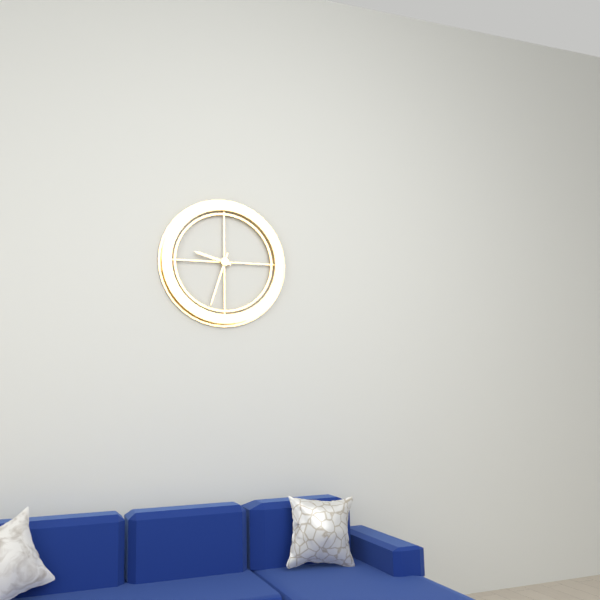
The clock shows 9.33
